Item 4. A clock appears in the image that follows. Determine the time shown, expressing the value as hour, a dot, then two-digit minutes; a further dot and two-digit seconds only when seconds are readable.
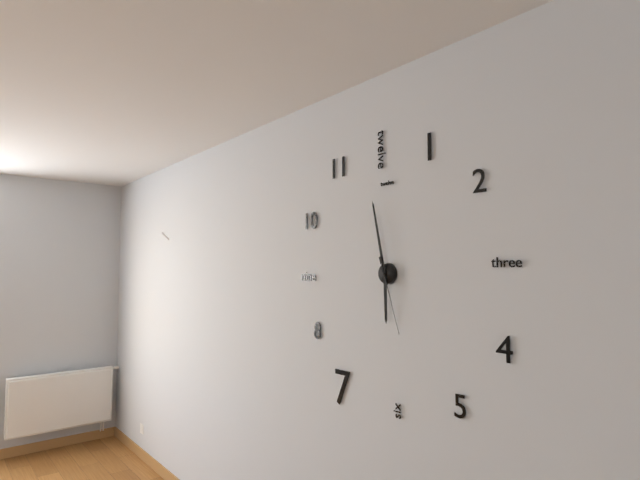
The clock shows 5.58.27
